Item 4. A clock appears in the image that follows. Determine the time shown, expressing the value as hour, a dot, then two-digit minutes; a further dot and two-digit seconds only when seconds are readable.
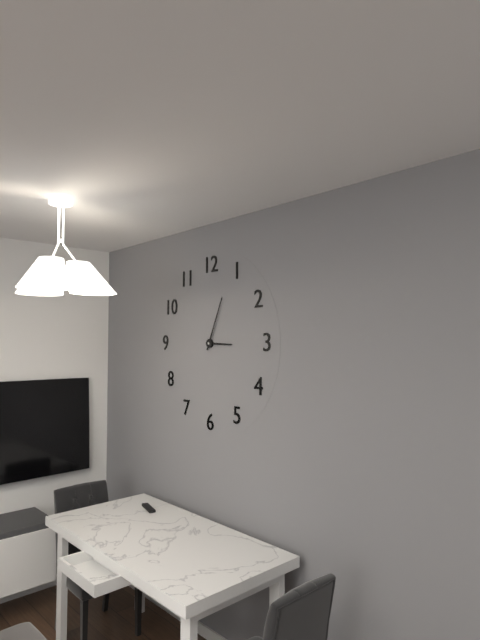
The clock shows 3.04
